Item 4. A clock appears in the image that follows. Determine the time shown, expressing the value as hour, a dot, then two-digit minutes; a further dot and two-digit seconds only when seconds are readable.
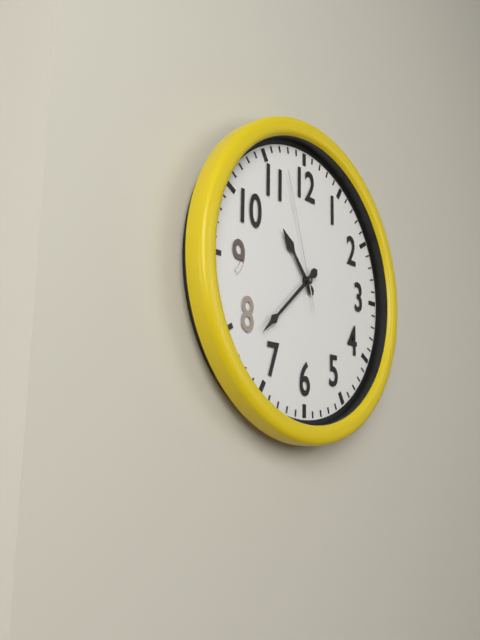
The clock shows 10.38.57
